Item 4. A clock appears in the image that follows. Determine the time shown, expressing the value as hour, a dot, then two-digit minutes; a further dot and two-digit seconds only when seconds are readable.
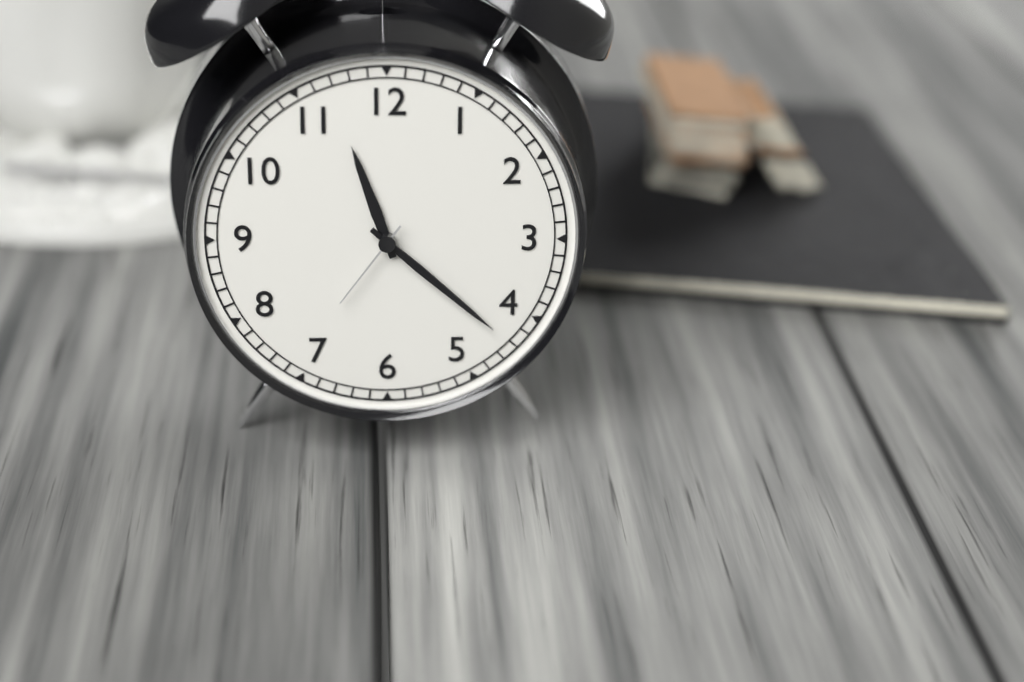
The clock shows 11.22.36
